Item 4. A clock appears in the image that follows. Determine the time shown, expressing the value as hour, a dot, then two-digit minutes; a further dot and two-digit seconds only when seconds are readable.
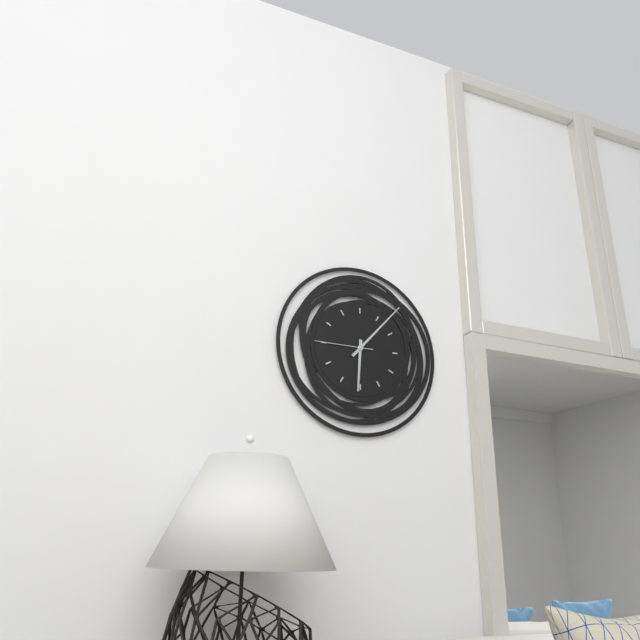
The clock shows 6.07.45
